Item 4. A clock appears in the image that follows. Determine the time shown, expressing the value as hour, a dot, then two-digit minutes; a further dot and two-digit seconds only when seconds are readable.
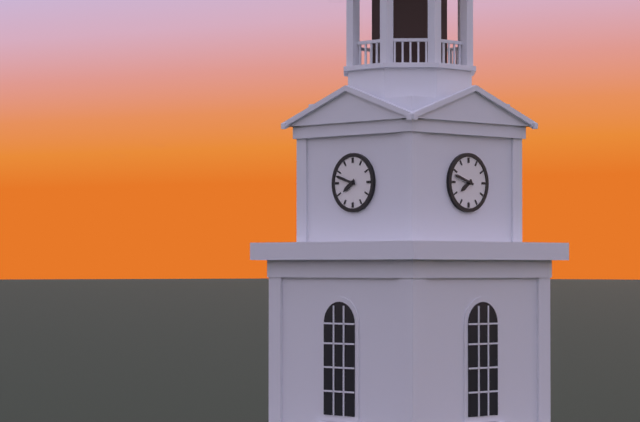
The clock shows 7.48
